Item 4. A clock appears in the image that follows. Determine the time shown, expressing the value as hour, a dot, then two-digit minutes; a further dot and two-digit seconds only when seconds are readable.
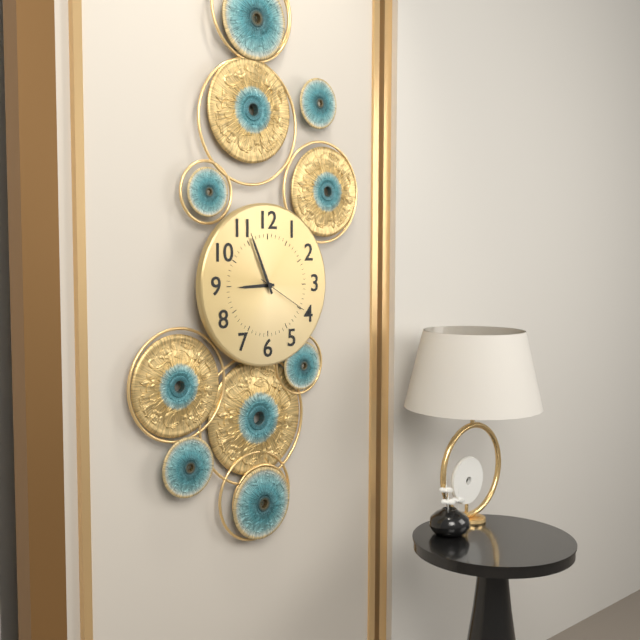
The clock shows 8.56.20
